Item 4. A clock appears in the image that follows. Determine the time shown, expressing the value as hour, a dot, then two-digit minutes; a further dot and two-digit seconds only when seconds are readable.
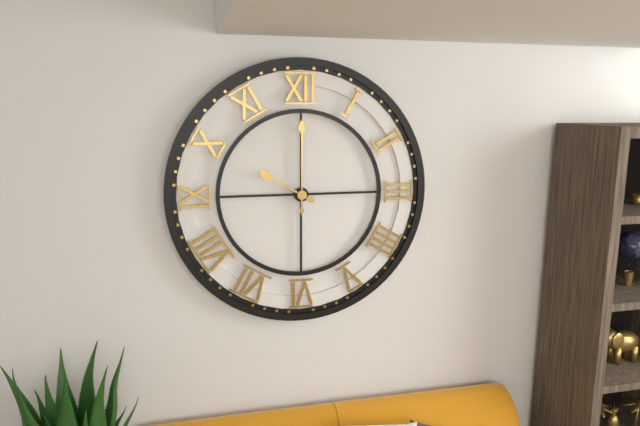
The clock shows 10.00
